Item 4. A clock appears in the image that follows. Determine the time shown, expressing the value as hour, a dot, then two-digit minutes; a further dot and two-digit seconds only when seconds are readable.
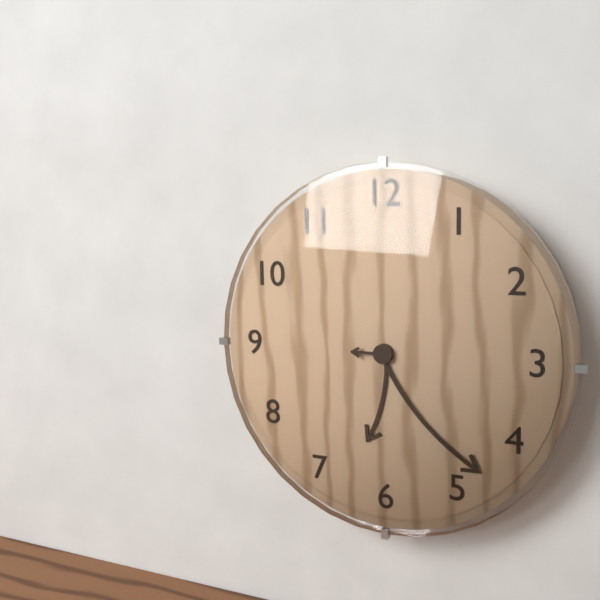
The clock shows 6.23
